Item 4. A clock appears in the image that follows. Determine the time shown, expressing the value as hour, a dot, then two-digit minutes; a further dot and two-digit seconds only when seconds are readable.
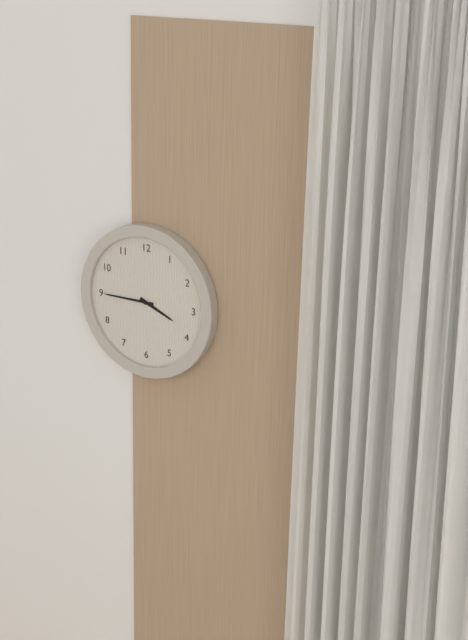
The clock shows 3.45
